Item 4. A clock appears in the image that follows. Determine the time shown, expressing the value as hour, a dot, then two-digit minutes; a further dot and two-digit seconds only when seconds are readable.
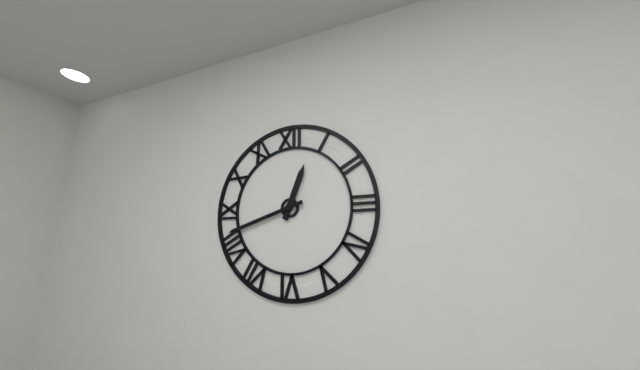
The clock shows 12.42
